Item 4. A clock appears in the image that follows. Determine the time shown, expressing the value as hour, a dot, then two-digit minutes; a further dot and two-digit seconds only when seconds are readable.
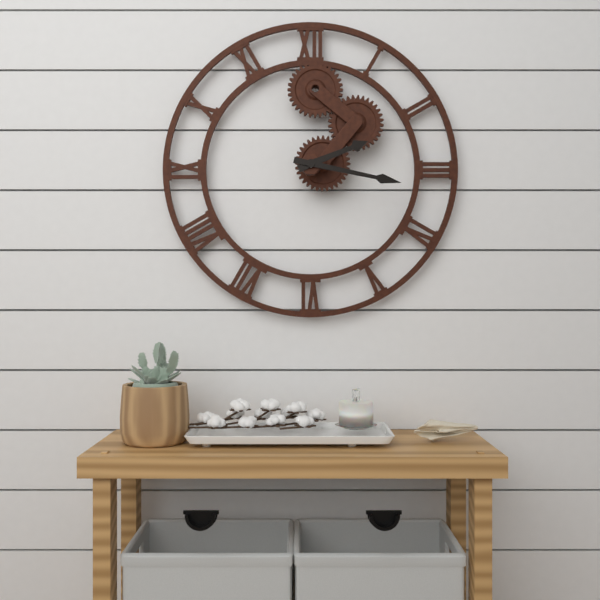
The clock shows 2.17
